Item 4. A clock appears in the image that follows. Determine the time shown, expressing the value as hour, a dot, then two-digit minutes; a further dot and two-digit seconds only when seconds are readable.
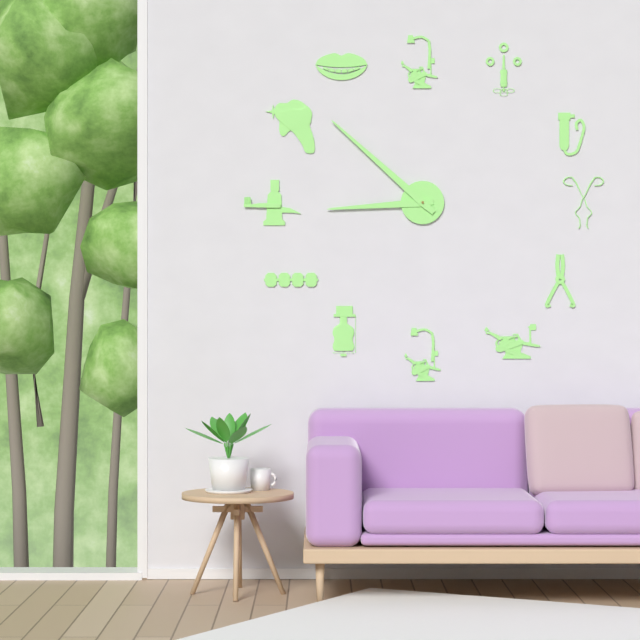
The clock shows 8.52
